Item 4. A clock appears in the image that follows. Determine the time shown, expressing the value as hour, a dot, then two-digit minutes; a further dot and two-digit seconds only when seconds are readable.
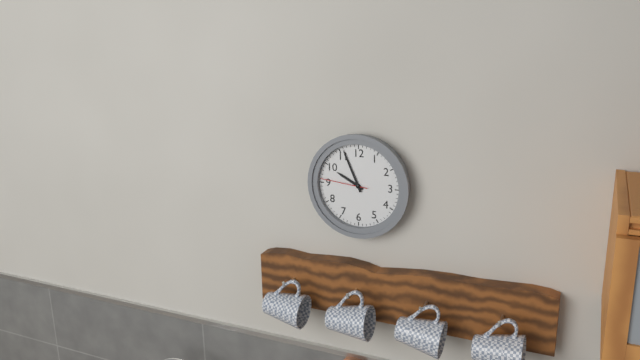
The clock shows 9.56
